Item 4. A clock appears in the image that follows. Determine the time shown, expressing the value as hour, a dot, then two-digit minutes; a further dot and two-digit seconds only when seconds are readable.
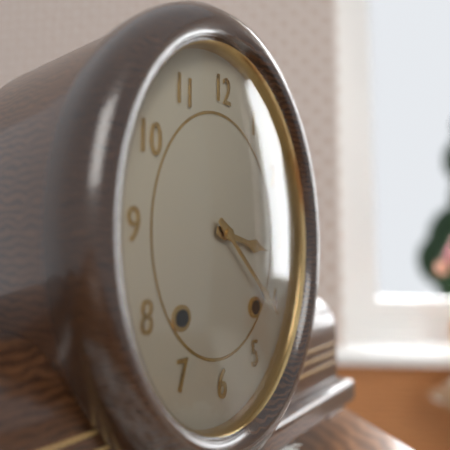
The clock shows 3.22
